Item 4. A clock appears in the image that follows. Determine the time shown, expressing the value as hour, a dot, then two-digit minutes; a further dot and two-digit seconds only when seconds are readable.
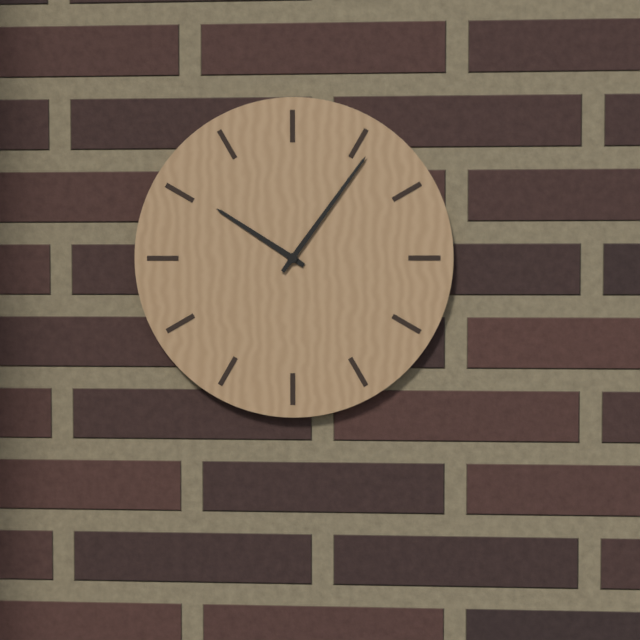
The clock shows 10.06
